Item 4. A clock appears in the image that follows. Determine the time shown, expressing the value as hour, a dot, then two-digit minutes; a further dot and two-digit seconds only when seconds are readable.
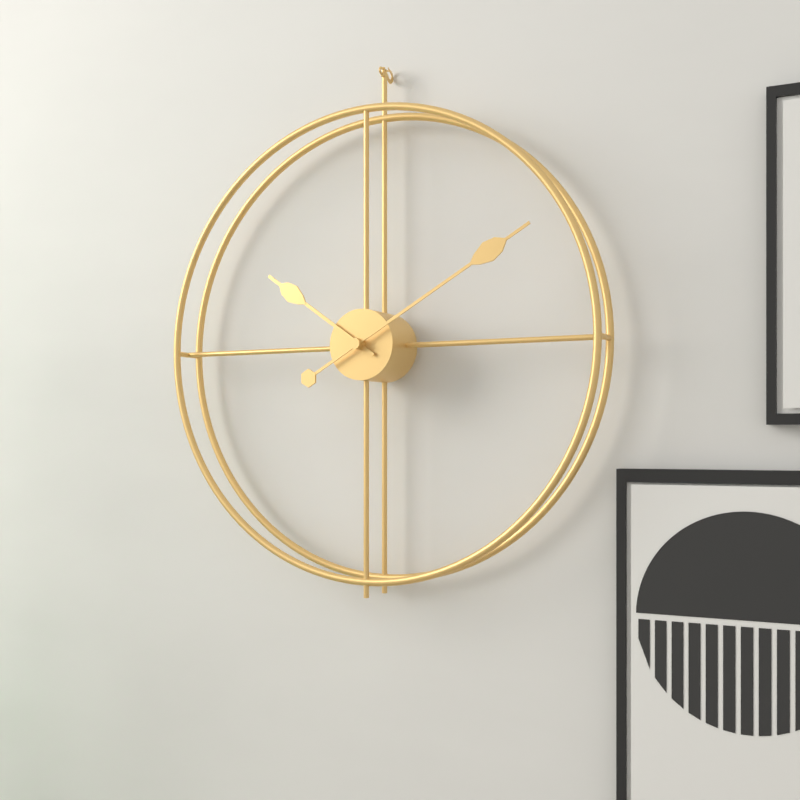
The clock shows 10.10
